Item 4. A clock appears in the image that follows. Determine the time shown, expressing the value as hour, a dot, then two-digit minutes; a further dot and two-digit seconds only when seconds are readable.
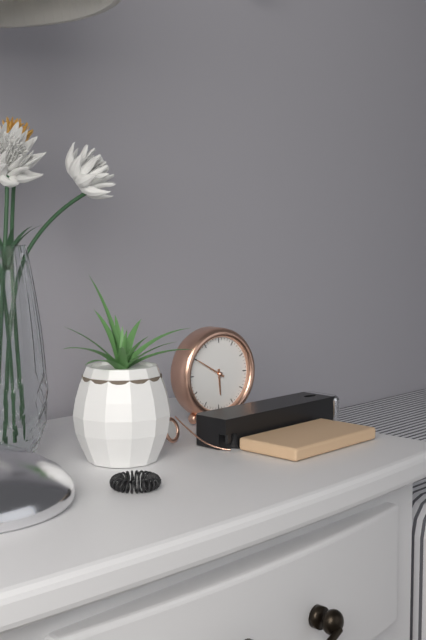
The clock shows 5.50
